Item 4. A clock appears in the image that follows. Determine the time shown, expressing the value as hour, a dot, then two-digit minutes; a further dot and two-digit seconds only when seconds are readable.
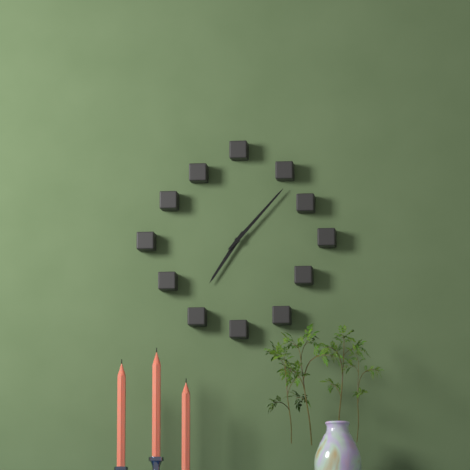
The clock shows 7.07
